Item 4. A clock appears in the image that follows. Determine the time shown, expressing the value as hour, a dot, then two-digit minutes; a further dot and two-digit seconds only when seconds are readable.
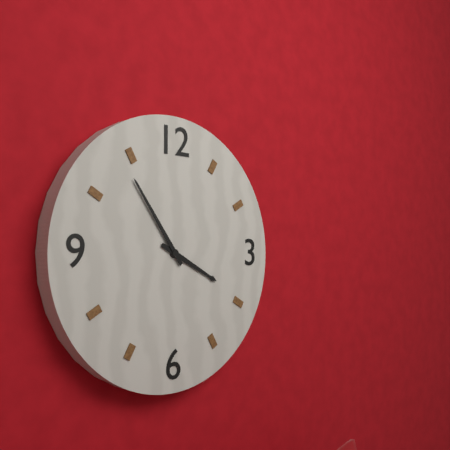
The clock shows 3.54
